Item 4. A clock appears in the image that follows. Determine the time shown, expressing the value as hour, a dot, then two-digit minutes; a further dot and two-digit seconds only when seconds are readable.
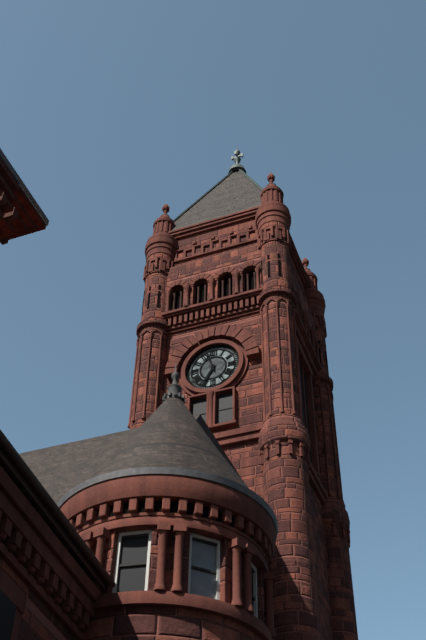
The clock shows 6.57
